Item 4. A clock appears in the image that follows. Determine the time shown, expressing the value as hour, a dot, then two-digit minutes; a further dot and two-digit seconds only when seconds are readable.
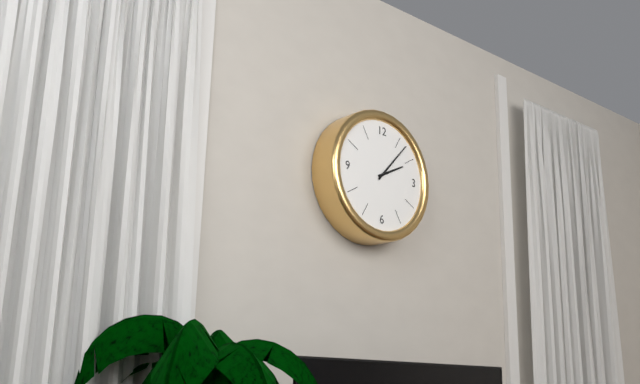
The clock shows 2.07
